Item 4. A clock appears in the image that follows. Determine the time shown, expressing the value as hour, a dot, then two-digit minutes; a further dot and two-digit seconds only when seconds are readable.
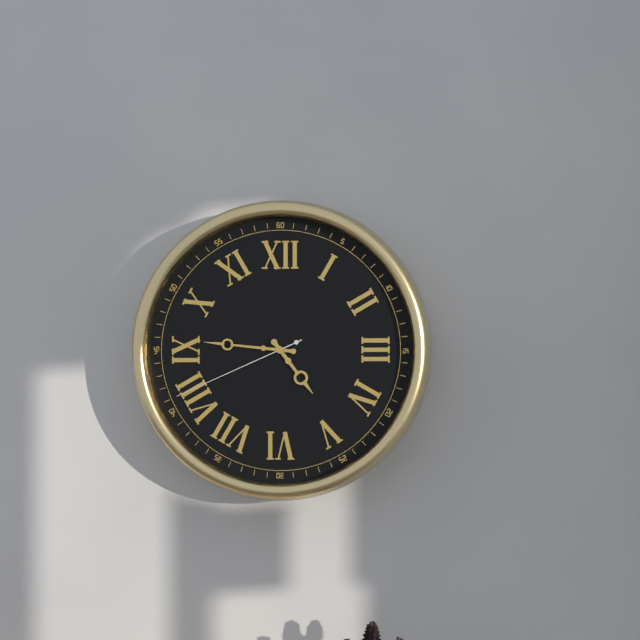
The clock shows 4.46.41
